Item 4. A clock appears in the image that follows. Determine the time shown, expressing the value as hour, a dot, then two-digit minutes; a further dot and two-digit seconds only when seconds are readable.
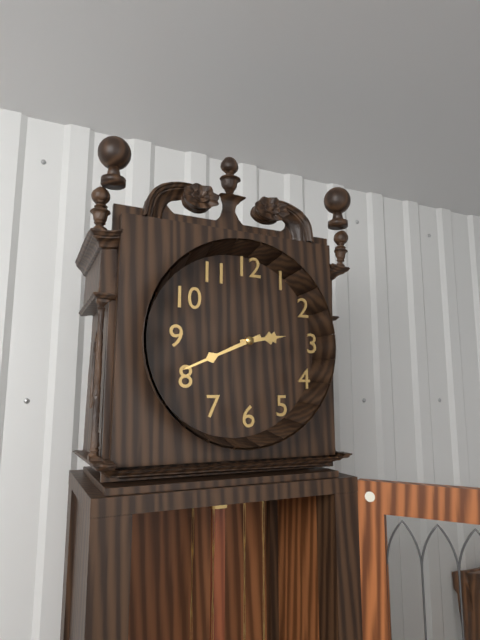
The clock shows 2.41
